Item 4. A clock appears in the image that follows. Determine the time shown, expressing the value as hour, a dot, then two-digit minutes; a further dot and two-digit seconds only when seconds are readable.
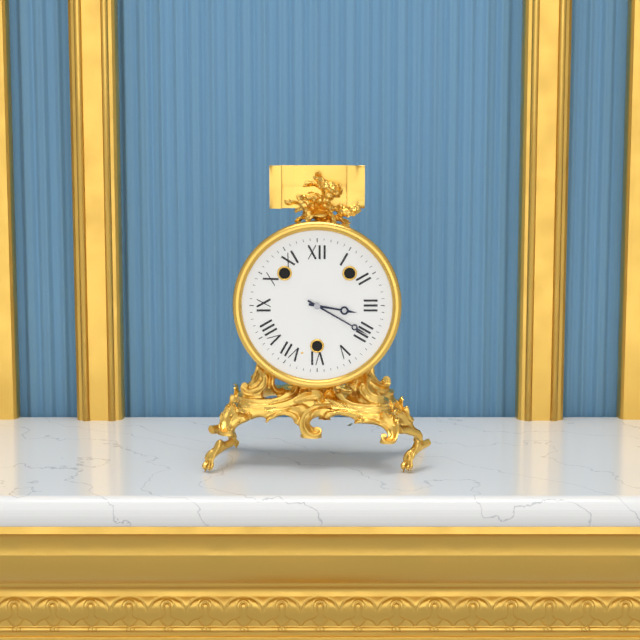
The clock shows 3.20
